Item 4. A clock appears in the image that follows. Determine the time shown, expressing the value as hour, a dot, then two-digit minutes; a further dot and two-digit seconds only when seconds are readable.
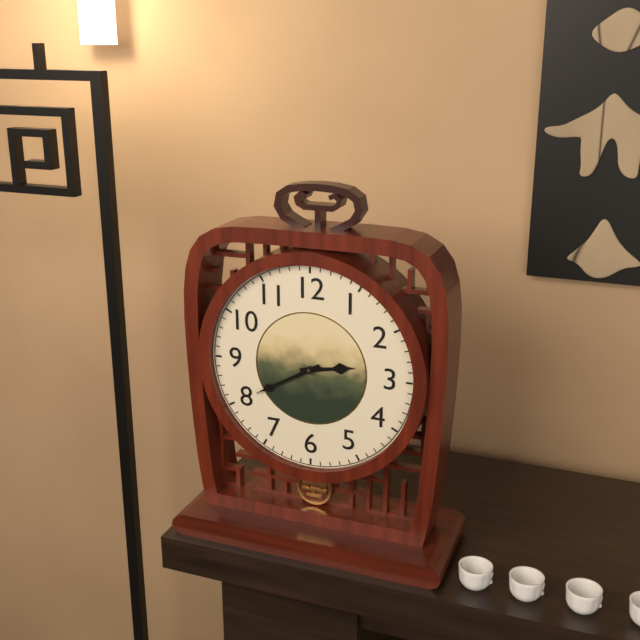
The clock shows 2.40
